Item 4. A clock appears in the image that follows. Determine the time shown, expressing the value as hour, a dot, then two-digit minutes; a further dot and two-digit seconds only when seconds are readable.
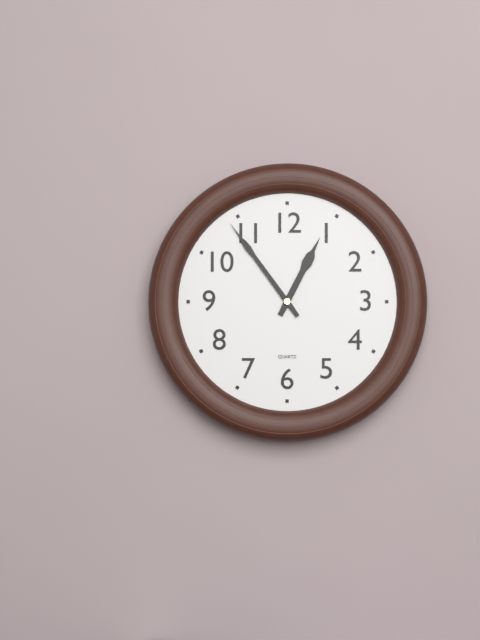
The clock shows 12.54
